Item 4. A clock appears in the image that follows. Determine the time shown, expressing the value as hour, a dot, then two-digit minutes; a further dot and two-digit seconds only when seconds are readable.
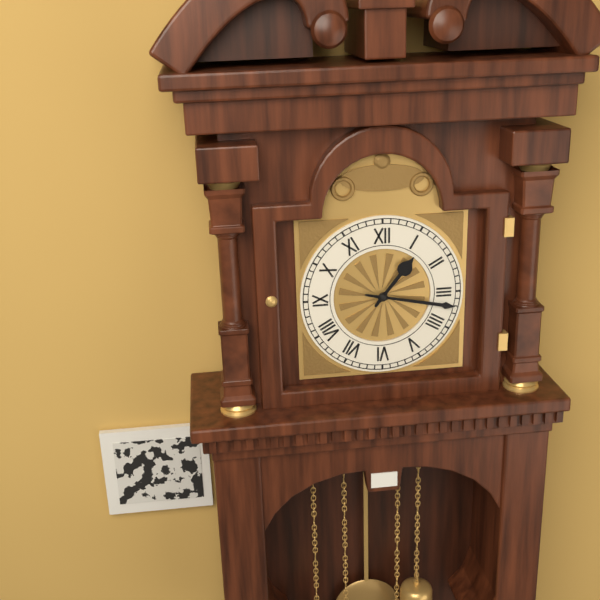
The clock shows 1.17
